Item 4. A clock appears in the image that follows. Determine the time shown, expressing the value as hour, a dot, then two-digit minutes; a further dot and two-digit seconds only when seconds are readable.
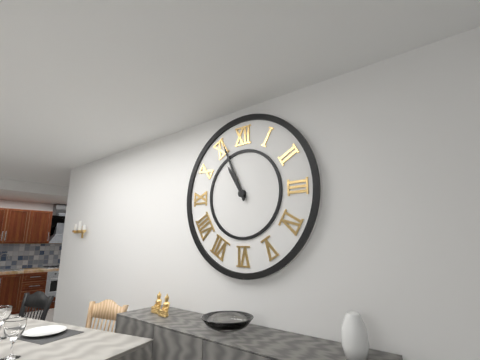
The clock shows 10.56
